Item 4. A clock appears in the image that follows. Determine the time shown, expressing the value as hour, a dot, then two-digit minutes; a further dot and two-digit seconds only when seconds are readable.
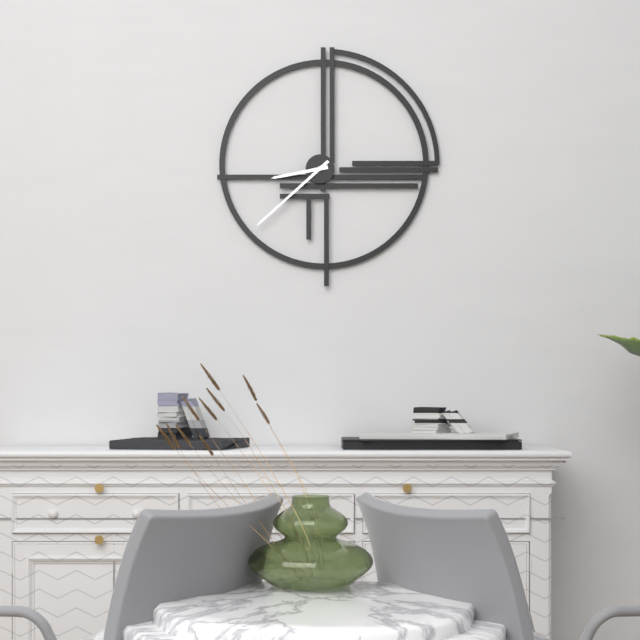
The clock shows 8.38
